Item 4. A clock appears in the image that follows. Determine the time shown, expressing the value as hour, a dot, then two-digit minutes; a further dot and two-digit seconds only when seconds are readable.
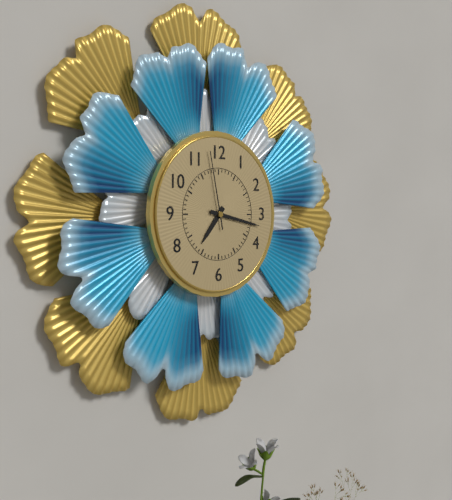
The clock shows 7.17.58
